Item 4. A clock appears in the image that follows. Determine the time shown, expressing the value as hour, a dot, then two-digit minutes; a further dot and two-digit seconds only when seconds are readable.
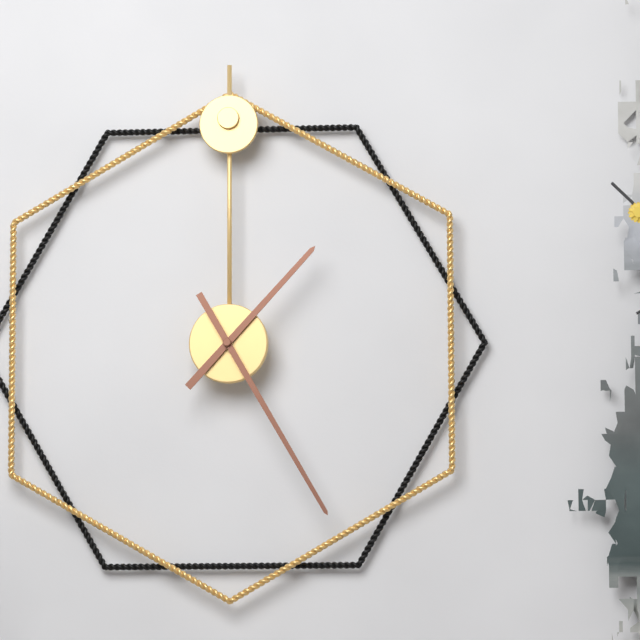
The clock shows 1.25
